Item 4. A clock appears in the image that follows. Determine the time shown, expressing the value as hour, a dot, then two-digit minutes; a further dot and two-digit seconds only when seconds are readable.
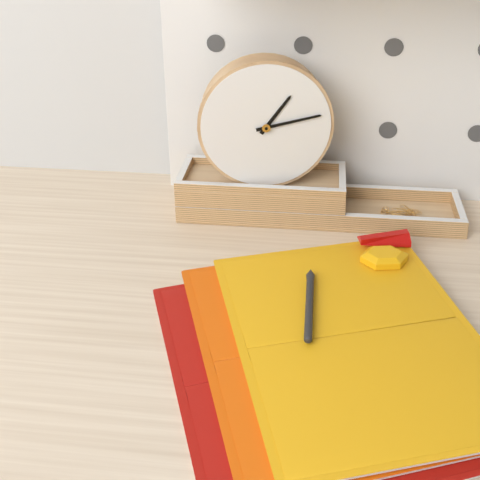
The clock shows 1.13
